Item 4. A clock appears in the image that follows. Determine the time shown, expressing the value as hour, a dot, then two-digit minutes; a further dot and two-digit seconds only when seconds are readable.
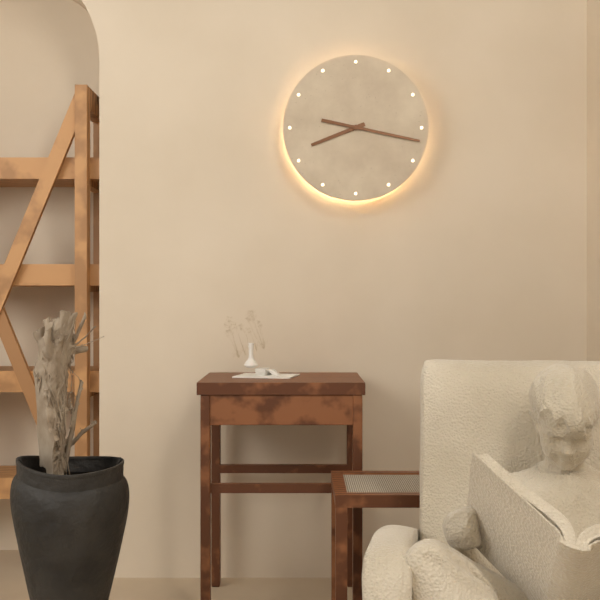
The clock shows 8.17
